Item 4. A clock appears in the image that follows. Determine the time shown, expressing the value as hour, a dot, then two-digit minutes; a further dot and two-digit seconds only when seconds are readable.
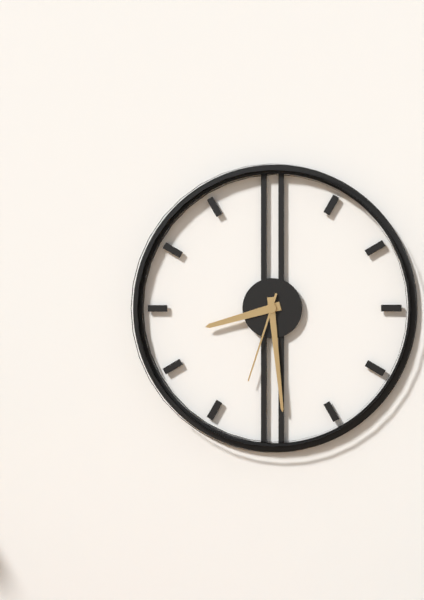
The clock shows 8.29.33
